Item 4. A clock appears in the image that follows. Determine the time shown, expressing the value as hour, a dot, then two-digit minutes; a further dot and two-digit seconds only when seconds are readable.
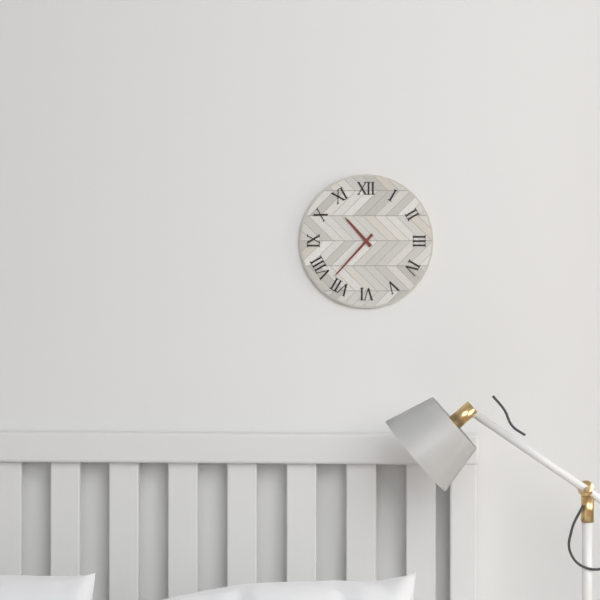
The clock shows 10.37
